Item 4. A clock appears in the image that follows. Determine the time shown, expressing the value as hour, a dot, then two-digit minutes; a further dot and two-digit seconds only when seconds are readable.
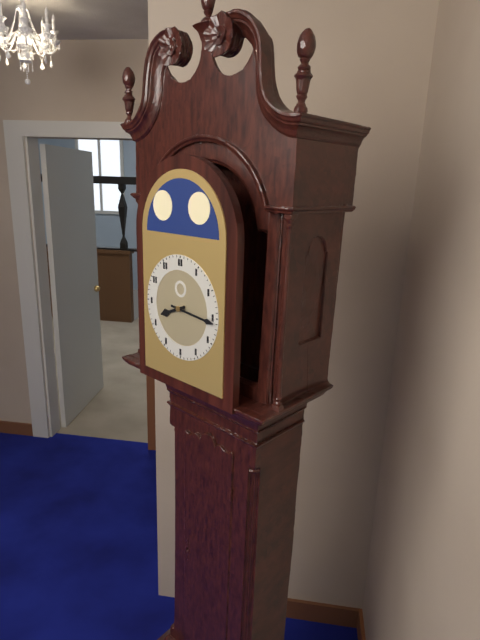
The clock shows 8.16
